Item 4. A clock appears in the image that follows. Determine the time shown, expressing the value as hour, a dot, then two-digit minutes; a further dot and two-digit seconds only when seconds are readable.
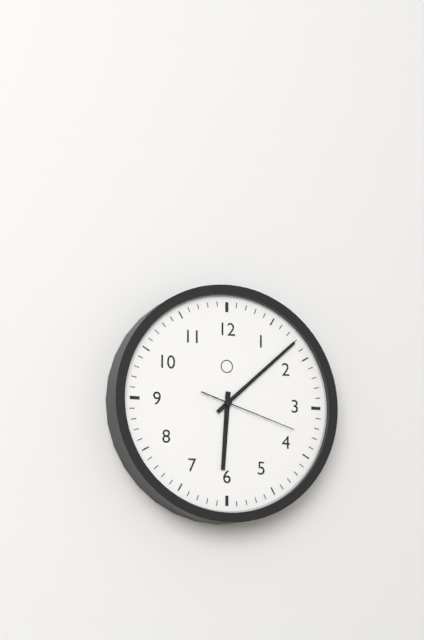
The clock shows 6.08.18
